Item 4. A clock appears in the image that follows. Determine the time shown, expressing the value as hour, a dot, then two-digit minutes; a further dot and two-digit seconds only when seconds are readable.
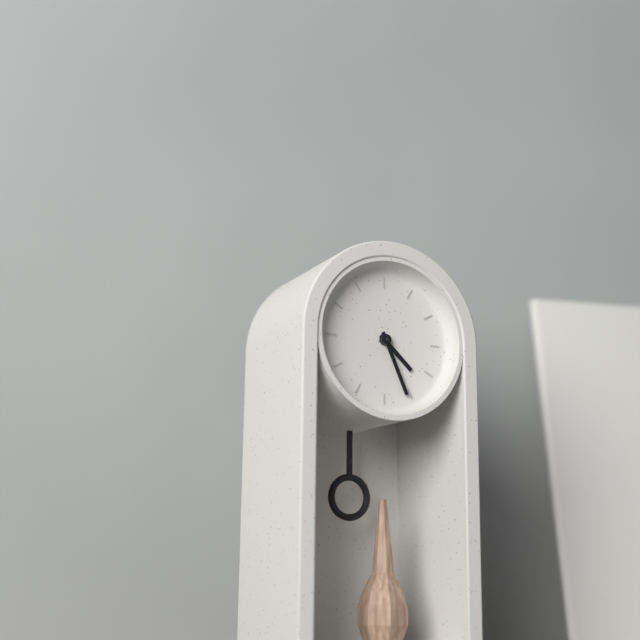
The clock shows 4.26
